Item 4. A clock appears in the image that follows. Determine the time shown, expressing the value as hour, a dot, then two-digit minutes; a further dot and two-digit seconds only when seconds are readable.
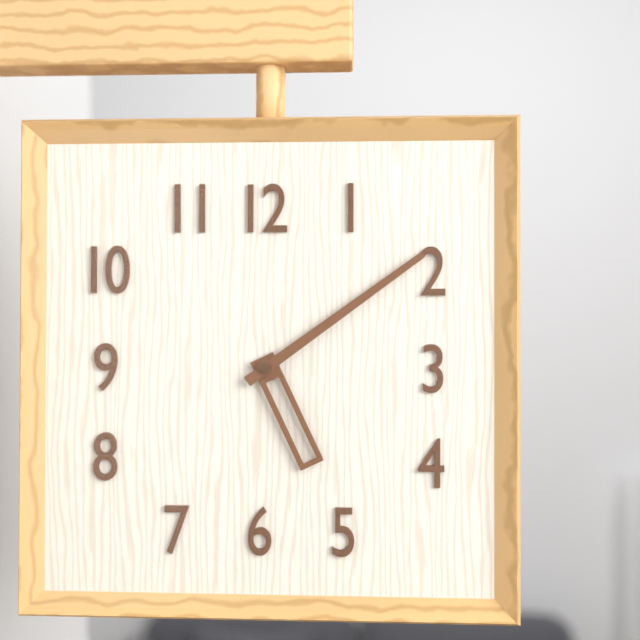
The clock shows 5.09
